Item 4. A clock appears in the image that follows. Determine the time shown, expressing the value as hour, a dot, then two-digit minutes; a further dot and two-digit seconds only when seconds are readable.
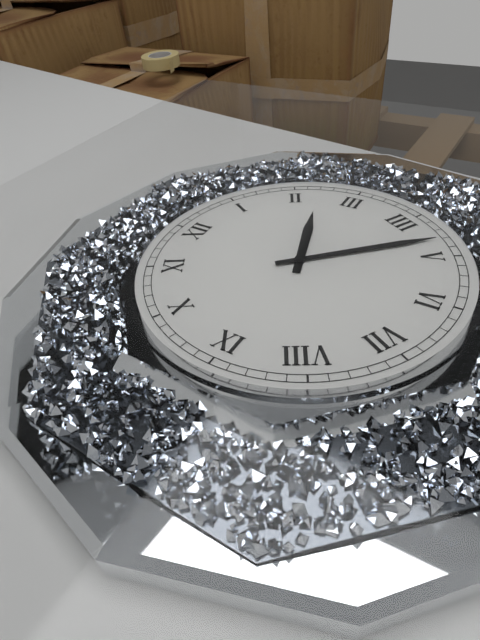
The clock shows 2.23
